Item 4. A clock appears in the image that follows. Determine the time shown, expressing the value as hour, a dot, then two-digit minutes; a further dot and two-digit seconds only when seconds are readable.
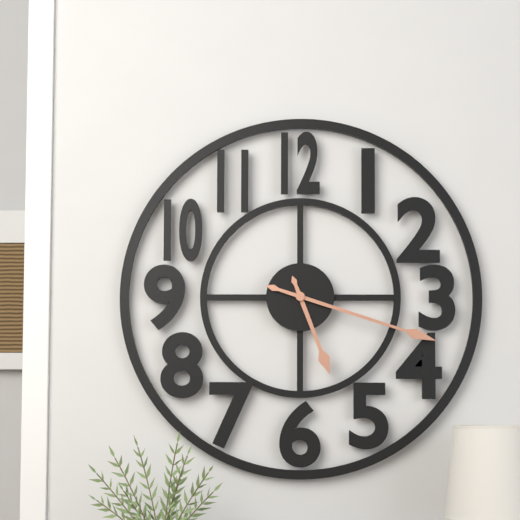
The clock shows 5.18
